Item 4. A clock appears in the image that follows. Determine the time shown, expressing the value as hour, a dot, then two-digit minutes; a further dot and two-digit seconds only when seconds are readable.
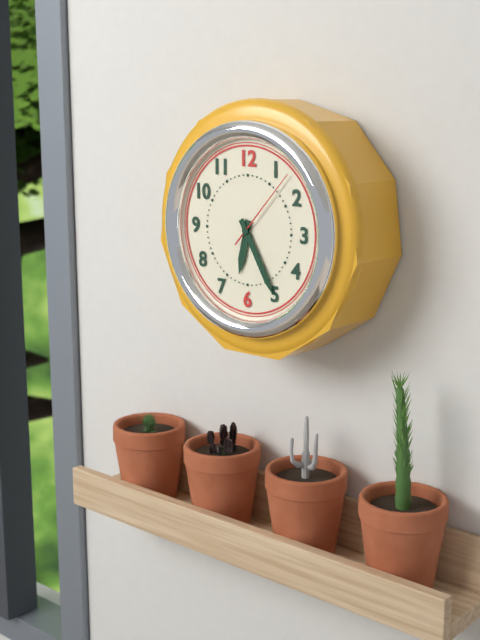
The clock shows 6.25.07
